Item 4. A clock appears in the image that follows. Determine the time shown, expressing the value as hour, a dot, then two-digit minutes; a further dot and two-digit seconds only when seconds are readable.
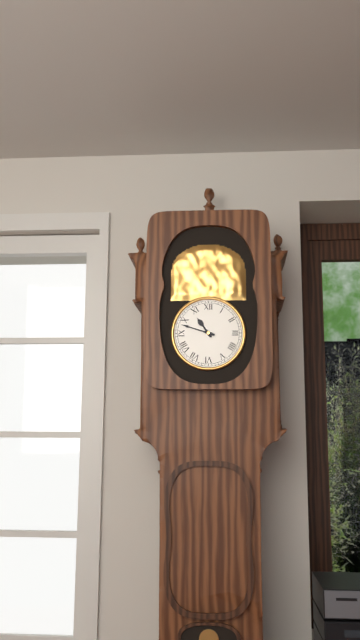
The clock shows 10.48
